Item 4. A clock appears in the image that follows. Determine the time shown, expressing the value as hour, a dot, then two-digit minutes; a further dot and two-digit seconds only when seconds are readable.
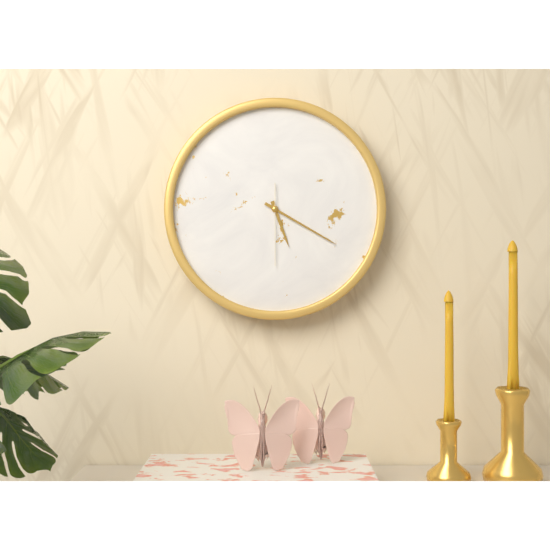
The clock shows 5.20.30
